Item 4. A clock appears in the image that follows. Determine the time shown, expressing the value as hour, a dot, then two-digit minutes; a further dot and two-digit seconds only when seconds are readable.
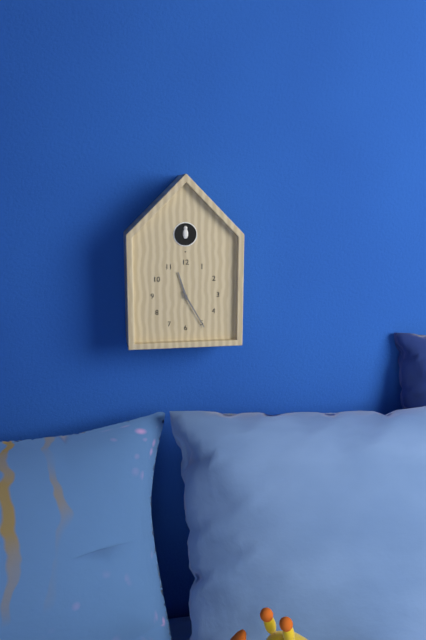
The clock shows 11.25
